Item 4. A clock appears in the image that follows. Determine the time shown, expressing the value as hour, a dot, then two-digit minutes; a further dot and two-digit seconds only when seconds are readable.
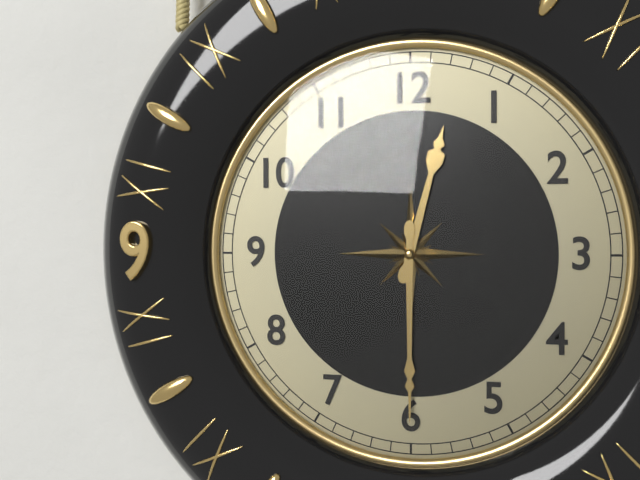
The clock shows 12.30
